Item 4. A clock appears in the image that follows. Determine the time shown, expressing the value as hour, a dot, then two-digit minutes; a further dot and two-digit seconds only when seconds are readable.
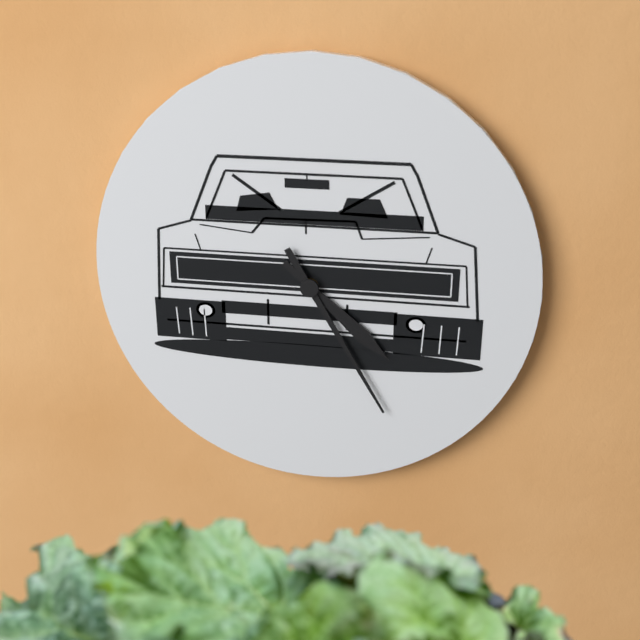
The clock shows 4.25
